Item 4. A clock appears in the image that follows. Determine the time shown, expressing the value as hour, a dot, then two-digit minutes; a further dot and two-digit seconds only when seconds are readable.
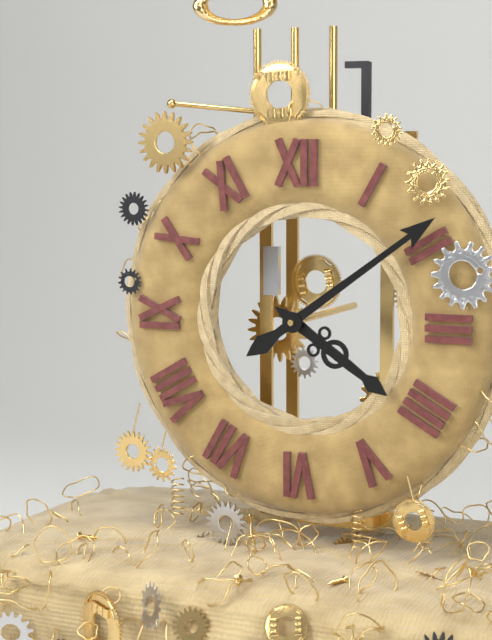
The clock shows 4.09
